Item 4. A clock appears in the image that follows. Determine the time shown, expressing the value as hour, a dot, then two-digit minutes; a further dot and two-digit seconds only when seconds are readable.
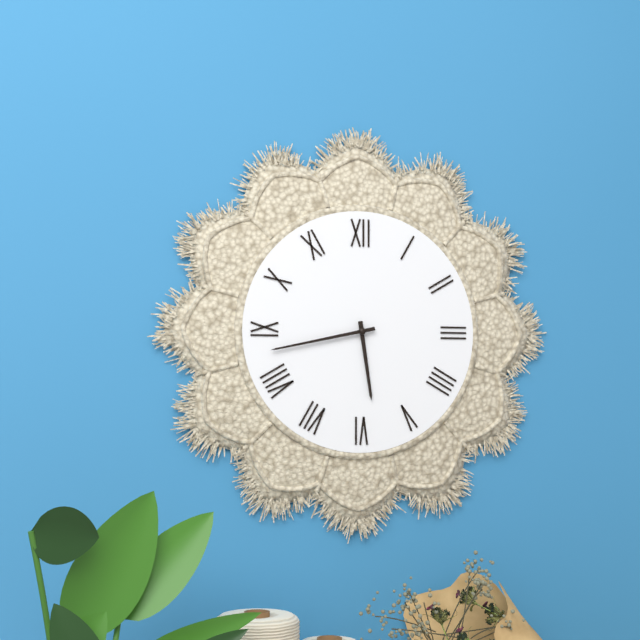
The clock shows 5.43
